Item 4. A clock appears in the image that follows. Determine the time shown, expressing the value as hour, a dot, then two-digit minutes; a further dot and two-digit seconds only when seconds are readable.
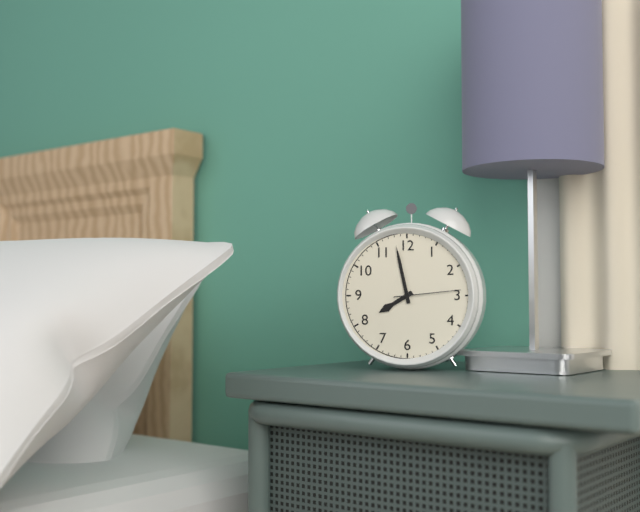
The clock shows 7.58.14
